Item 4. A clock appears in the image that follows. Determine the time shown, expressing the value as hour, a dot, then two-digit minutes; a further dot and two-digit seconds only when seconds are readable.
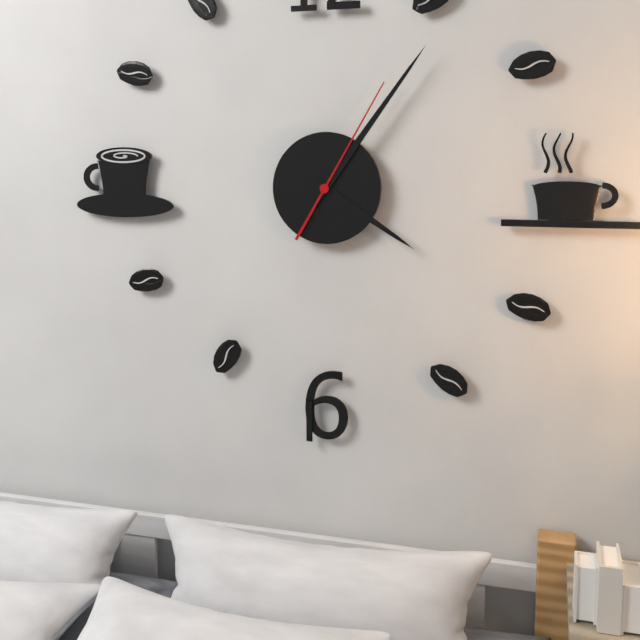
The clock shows 4.06.05
